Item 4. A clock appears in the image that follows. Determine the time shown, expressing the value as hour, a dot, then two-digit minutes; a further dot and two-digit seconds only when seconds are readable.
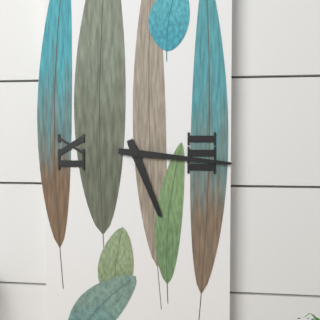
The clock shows 5.16
